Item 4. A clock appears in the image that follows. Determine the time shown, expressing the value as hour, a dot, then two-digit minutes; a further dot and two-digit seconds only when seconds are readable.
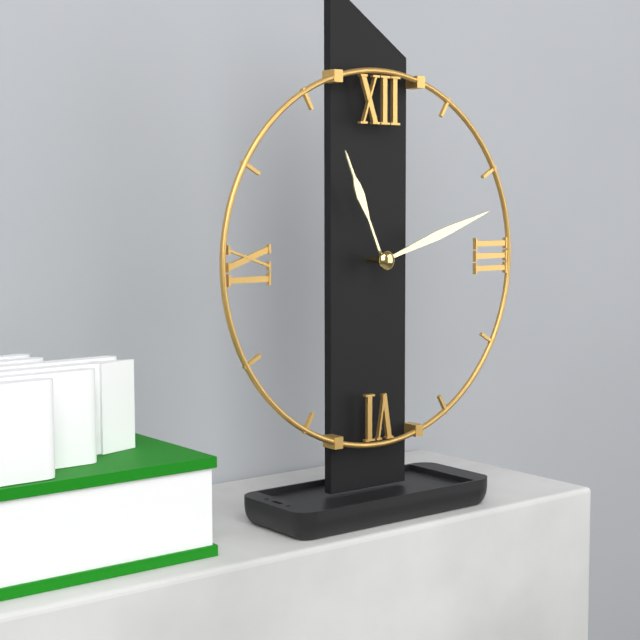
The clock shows 11.12
